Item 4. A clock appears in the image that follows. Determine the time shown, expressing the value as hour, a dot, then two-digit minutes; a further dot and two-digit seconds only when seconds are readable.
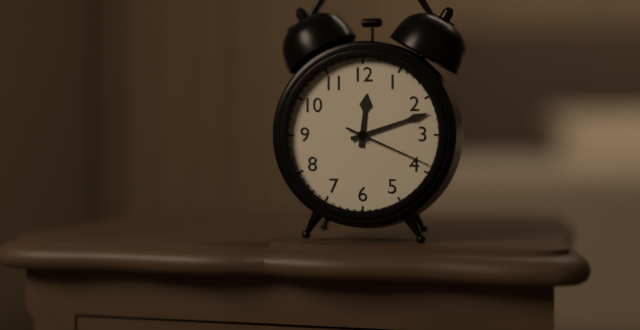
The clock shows 12.12.19
